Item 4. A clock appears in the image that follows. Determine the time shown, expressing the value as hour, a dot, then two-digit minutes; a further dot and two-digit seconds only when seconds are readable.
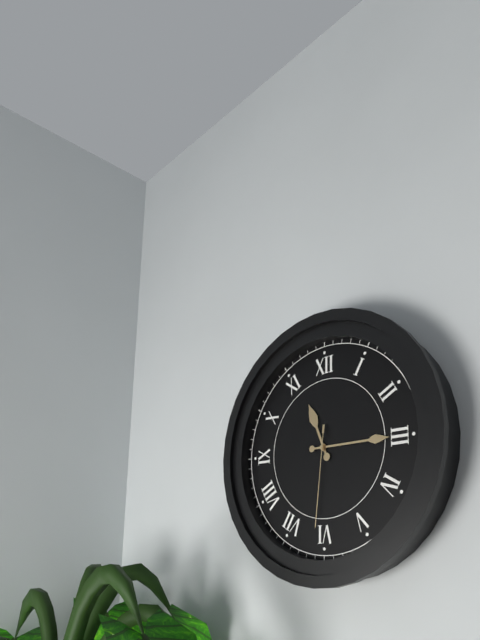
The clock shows 11.15.31
